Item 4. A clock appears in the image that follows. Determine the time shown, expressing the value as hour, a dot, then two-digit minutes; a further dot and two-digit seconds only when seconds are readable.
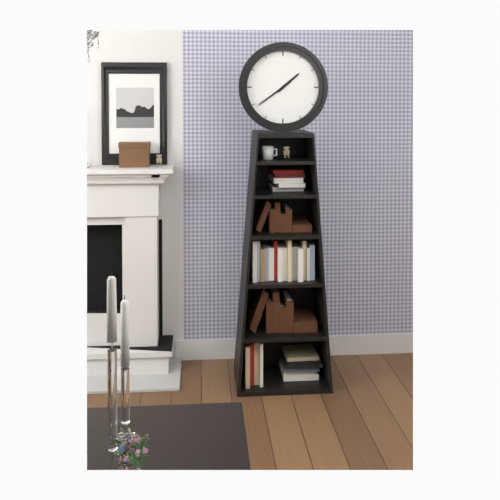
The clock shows 1.39
